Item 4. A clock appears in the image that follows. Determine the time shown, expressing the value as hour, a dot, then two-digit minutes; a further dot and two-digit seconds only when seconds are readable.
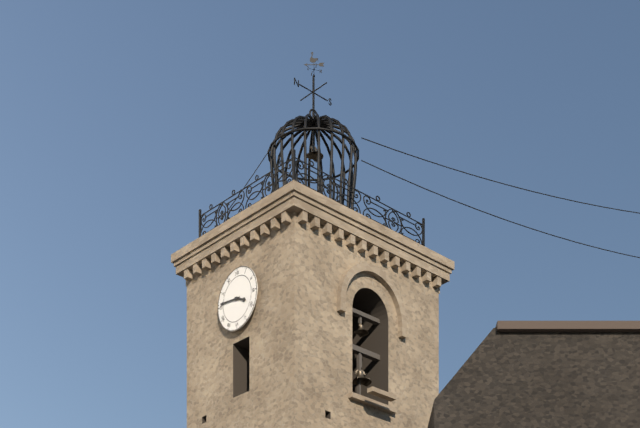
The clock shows 3.46
